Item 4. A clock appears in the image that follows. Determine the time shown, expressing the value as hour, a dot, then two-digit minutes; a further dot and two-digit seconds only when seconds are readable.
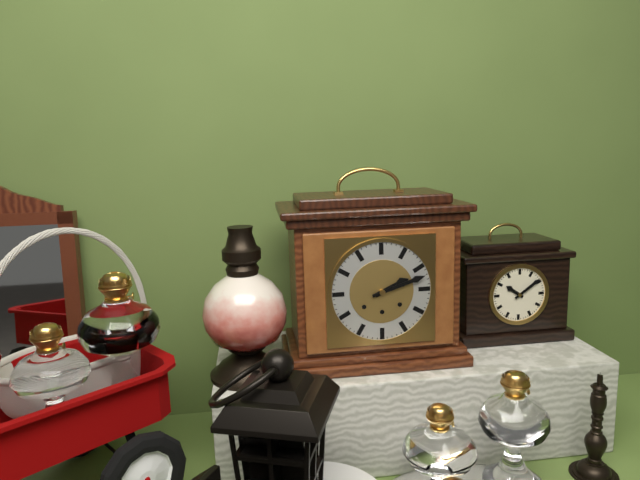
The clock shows 2.12
